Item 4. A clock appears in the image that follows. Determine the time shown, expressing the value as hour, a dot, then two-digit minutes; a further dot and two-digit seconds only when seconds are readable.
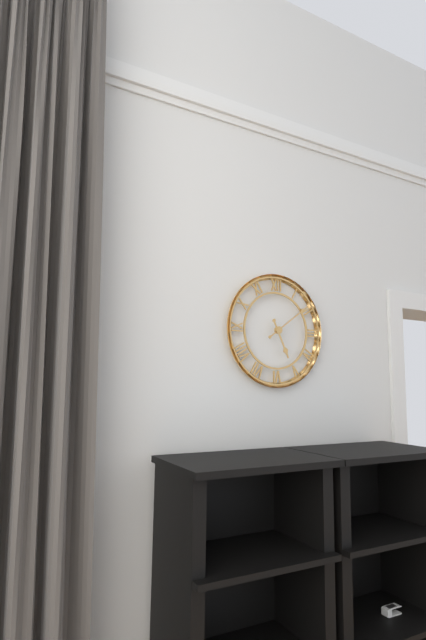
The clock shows 5.09
